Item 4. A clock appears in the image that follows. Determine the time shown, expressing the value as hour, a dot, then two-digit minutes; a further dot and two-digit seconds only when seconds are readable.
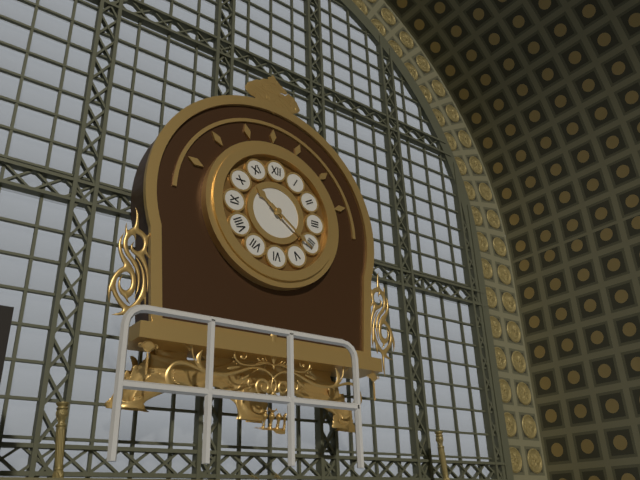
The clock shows 10.21
